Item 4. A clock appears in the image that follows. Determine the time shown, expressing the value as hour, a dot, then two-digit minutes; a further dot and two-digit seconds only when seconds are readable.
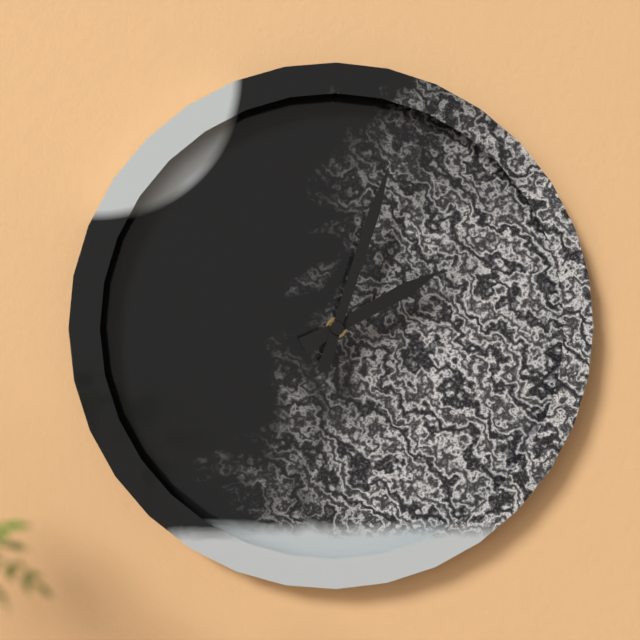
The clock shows 2.03
